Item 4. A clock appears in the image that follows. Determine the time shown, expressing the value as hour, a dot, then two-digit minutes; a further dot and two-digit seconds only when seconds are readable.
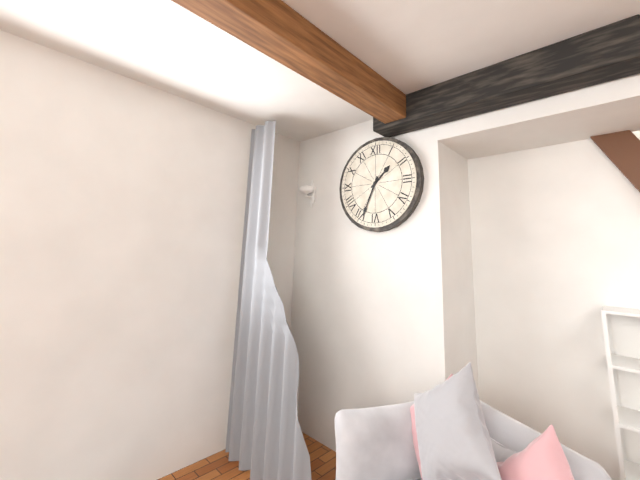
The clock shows 1.34
